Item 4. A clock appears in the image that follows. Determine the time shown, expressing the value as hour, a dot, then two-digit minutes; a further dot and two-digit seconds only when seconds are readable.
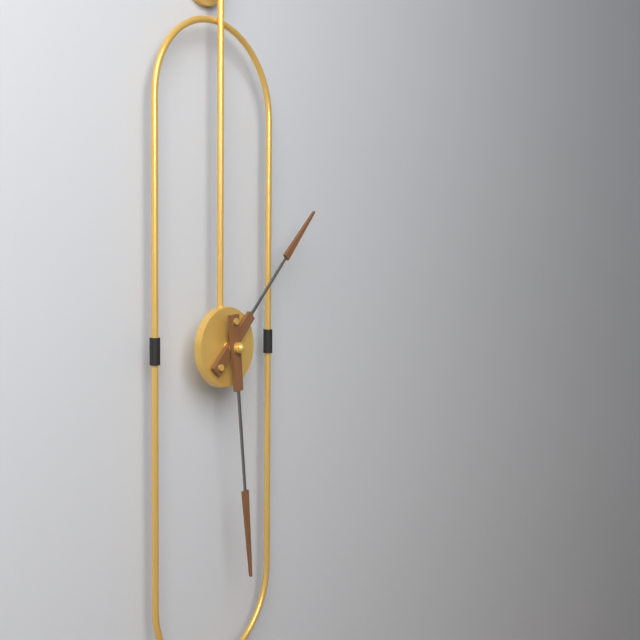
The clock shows 1.29
